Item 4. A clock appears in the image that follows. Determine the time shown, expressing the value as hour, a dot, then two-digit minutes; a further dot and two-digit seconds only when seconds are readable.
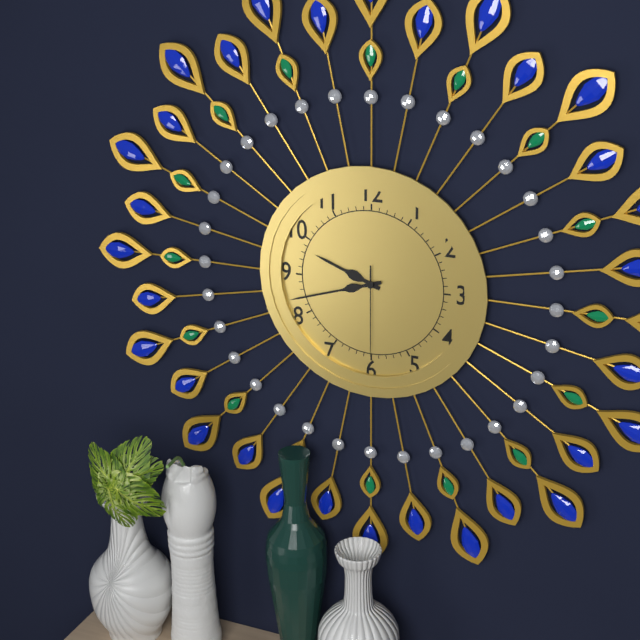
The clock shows 9.42.30
